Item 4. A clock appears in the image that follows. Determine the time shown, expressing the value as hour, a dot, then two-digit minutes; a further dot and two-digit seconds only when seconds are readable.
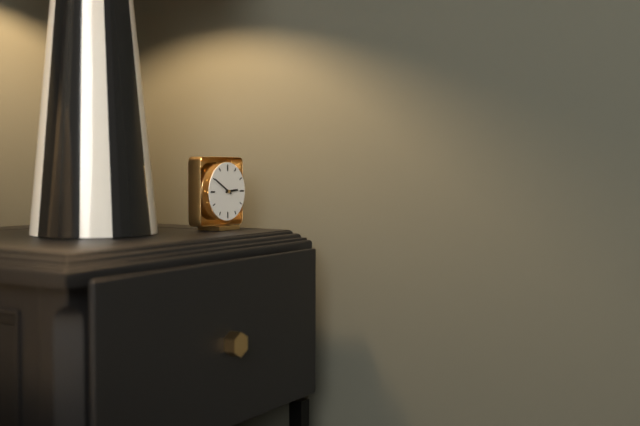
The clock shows 2.50
